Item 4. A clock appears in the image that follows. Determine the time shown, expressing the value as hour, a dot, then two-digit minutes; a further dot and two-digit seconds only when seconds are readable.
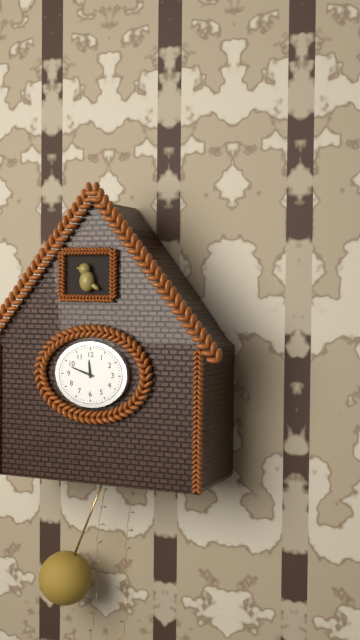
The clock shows 11.48
